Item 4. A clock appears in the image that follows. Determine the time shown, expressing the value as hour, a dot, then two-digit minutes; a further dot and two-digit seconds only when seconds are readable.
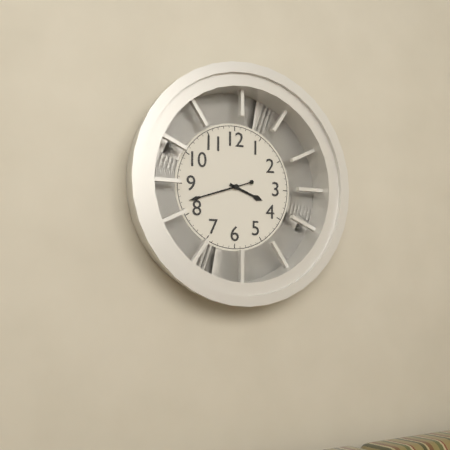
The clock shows 3.42
